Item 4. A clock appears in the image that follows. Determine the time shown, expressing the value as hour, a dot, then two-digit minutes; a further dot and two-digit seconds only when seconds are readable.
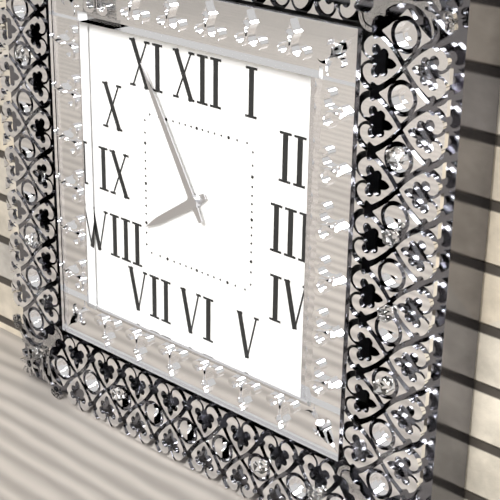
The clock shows 7.55
